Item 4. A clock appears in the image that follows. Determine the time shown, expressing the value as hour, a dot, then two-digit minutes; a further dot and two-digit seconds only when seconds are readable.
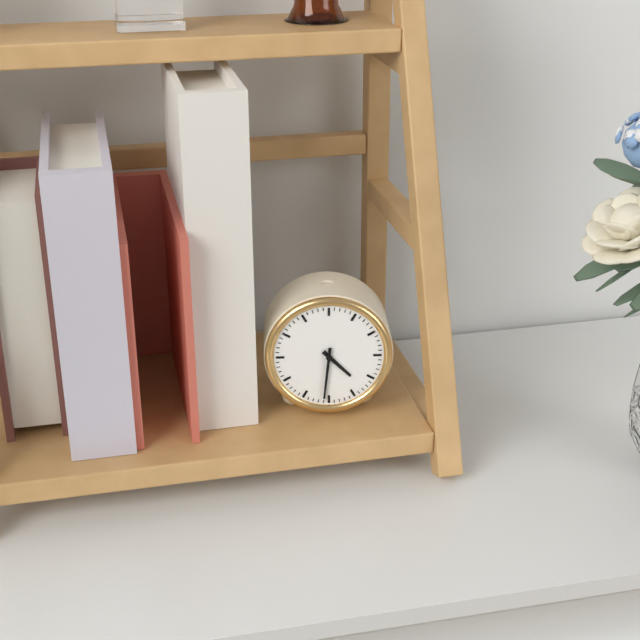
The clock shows 4.31
